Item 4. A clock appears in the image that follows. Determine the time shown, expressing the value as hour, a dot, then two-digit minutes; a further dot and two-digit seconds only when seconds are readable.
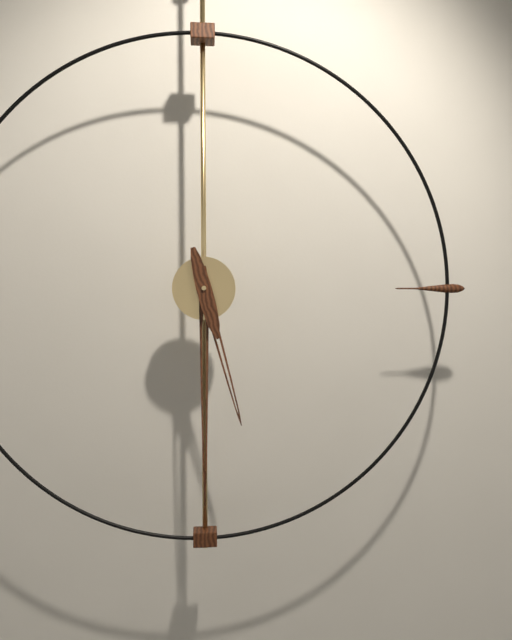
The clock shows 5.30
